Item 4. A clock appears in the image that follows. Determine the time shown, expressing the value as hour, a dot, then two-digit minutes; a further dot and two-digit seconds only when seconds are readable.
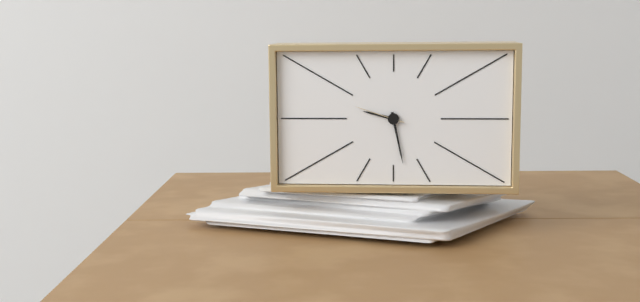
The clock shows 9.28.48
